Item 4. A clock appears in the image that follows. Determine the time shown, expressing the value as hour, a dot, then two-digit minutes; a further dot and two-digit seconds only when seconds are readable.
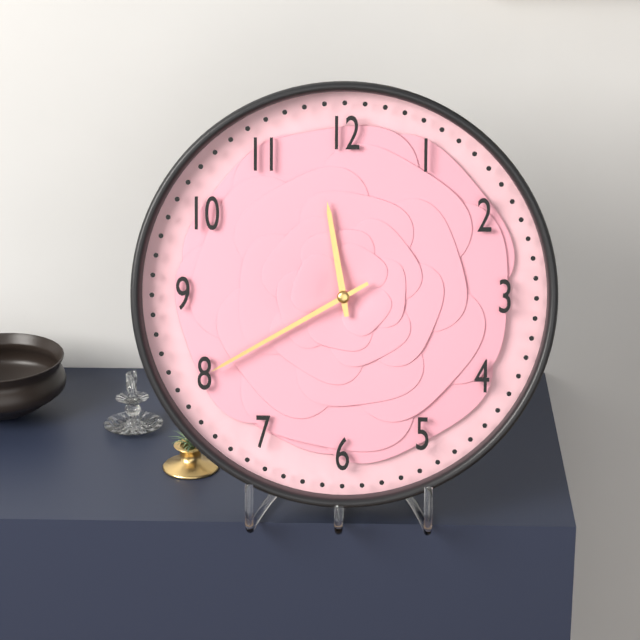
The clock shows 11.40
